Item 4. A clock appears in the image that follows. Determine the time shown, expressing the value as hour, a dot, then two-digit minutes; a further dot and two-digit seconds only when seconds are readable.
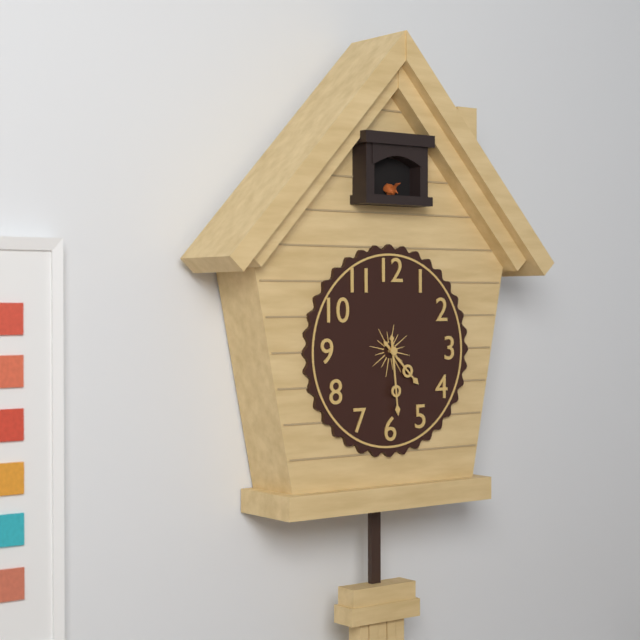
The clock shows 4.29
